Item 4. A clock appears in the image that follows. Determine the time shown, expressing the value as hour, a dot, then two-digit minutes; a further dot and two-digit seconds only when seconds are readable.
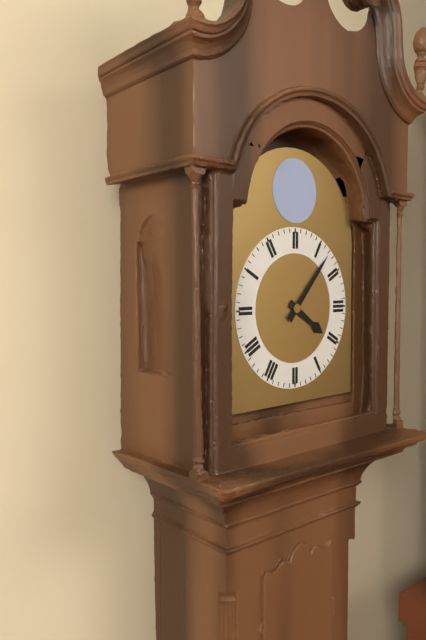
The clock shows 4.07
